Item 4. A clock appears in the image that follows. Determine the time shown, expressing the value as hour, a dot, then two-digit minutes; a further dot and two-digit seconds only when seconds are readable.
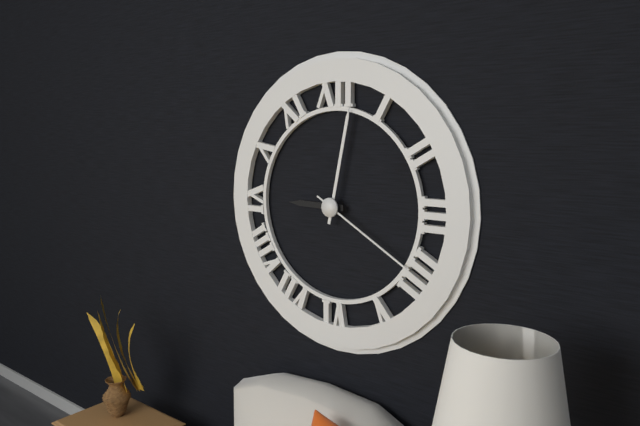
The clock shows 9.02.20
